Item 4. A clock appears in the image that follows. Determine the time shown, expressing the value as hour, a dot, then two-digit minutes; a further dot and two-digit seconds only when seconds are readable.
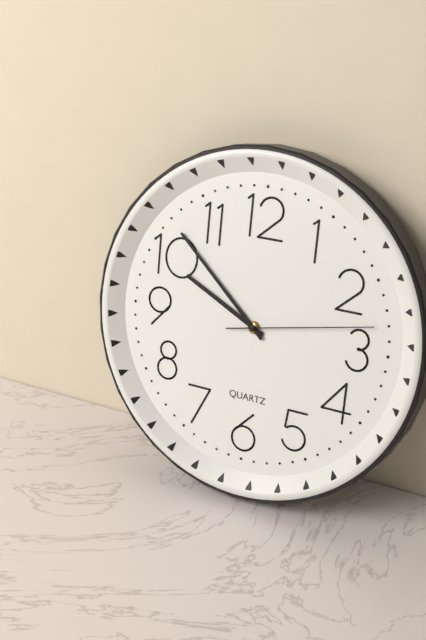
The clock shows 9.52.13
